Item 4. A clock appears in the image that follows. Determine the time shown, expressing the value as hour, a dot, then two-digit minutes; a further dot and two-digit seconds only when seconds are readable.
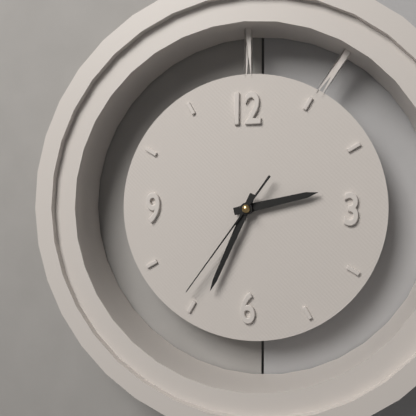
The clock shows 2.34.36
